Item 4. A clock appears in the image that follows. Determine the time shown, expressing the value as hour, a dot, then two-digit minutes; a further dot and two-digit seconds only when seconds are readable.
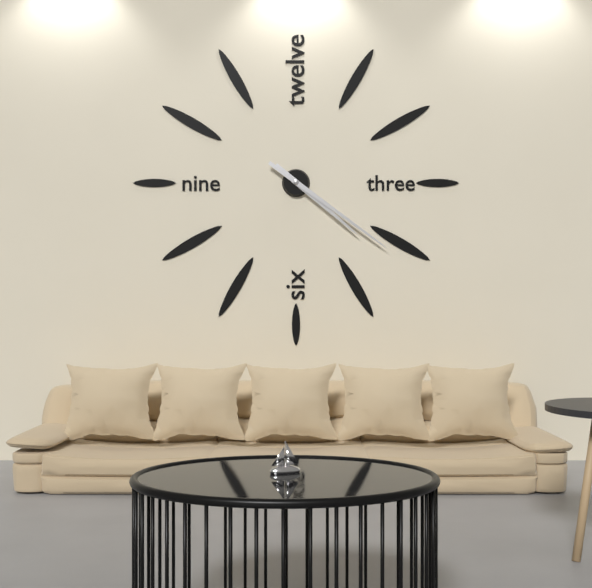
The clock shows 4.21
